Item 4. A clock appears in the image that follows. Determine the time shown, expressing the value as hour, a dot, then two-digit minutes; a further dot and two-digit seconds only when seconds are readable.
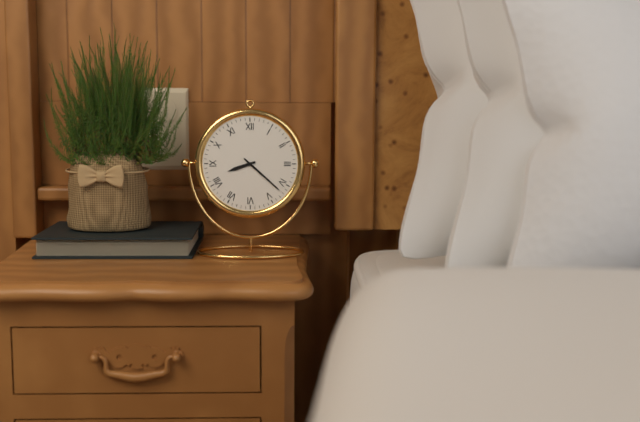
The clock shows 8.22
